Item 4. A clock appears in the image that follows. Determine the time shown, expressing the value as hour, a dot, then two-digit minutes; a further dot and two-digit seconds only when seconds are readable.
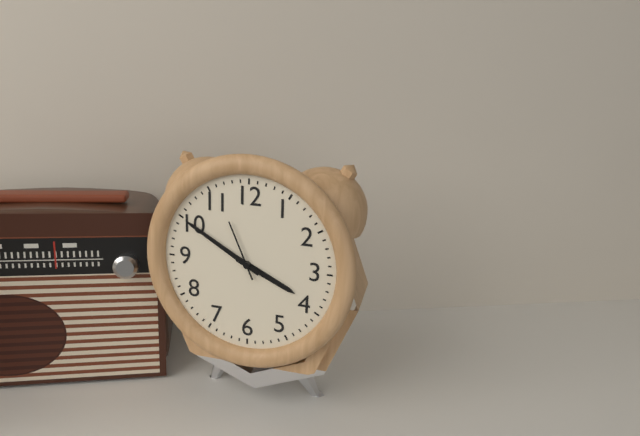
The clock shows 3.50.56
